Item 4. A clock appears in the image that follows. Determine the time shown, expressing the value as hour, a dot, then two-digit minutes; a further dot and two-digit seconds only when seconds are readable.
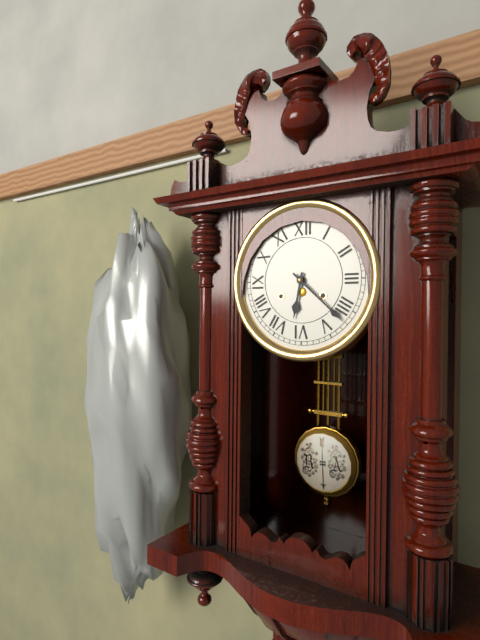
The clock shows 6.22
